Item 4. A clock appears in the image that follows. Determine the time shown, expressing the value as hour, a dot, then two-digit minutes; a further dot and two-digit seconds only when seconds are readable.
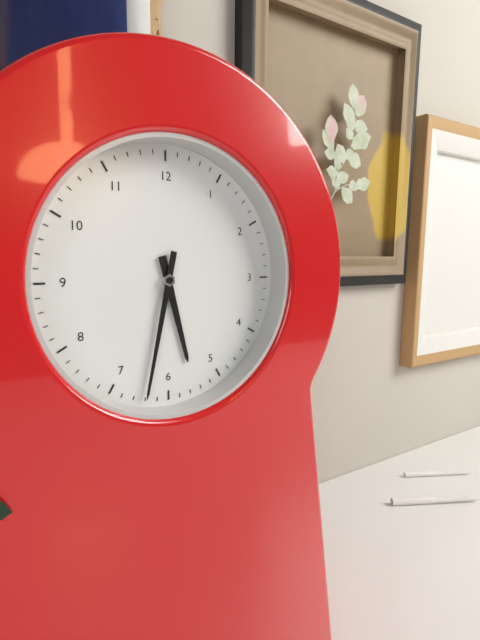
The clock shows 5.32
